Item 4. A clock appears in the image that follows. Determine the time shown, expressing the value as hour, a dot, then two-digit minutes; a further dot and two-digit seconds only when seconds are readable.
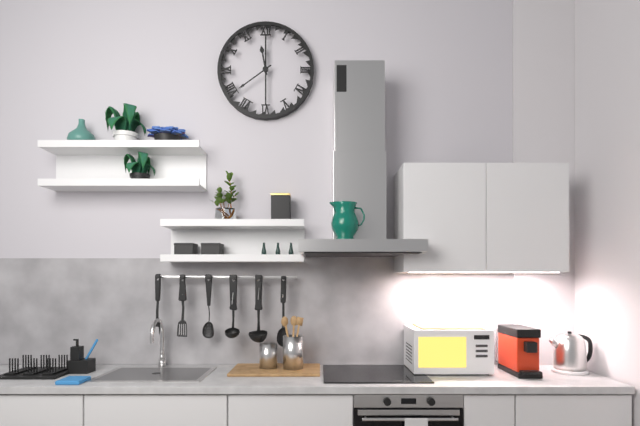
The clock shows 11.39
